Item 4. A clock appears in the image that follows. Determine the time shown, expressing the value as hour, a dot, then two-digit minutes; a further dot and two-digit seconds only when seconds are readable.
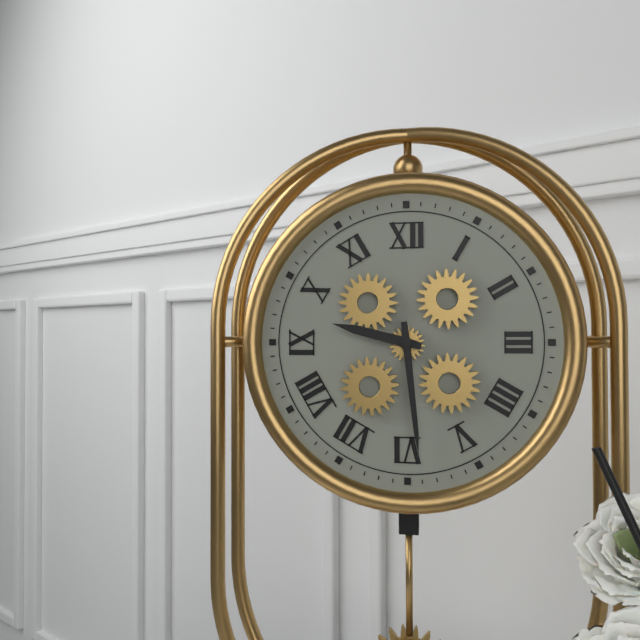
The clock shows 9.29
